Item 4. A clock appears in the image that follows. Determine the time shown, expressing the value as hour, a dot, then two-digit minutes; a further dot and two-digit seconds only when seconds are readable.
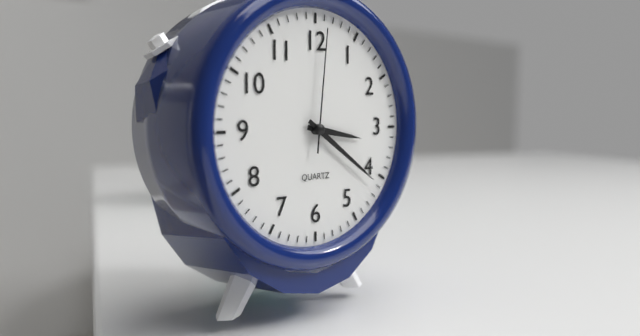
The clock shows 3.21.01
